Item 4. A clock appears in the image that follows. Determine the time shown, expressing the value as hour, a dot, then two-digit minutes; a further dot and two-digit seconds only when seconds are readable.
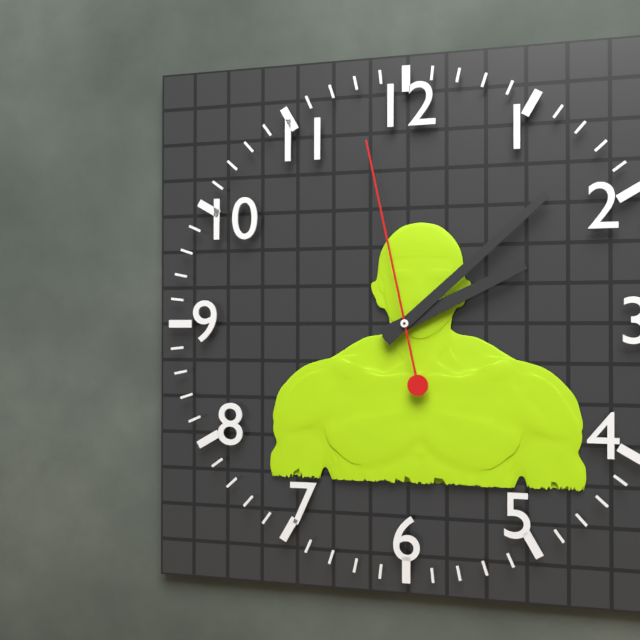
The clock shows 2.08.58
